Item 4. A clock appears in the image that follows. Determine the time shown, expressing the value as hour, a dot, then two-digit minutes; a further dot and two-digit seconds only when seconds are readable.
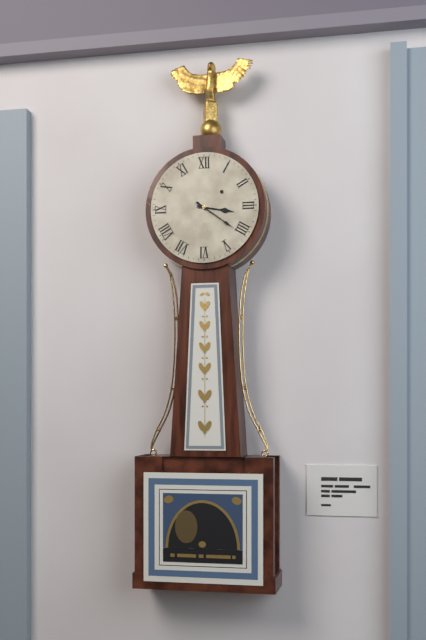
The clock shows 3.21
